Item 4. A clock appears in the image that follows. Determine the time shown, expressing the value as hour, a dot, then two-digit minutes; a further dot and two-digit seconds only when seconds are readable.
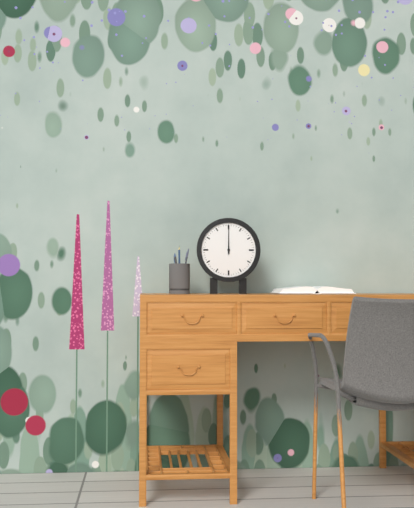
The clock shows 12.00
